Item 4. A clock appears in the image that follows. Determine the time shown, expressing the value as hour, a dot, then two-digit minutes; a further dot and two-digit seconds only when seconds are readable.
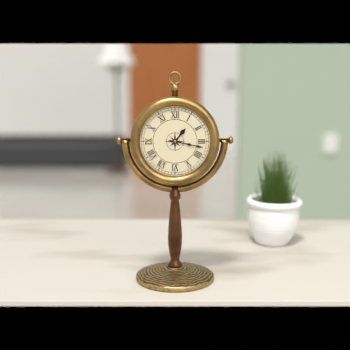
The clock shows 1.17
